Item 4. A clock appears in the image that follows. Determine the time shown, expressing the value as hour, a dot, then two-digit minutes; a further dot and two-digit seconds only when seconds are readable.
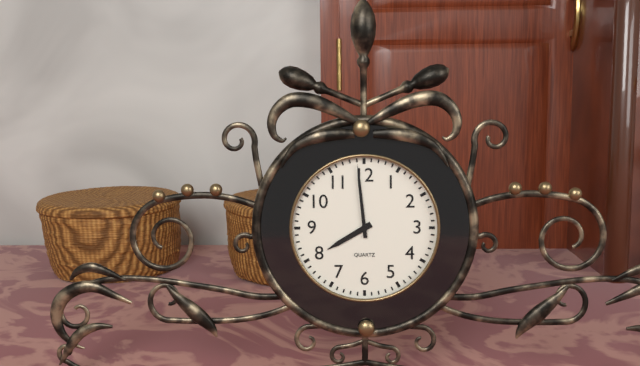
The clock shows 7.59
